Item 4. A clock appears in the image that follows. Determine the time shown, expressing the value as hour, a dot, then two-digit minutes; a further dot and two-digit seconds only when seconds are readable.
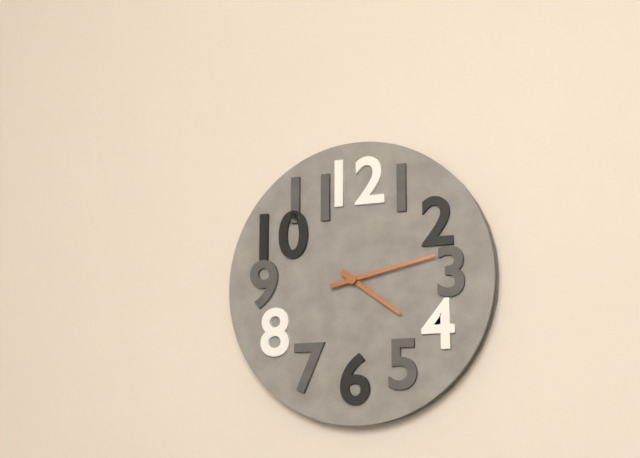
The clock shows 4.13
